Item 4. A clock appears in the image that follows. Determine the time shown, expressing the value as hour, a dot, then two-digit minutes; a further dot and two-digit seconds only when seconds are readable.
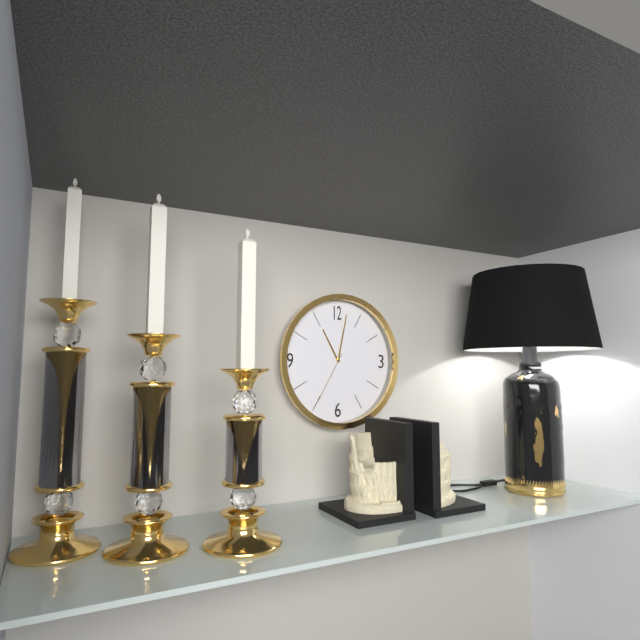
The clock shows 11.02.35
